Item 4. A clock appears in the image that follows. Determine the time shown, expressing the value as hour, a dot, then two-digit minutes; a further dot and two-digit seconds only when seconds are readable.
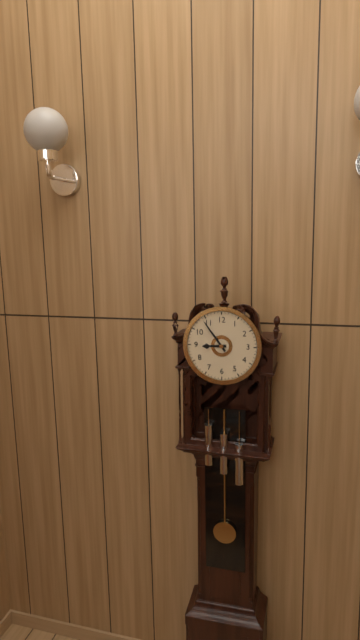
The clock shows 8.54
